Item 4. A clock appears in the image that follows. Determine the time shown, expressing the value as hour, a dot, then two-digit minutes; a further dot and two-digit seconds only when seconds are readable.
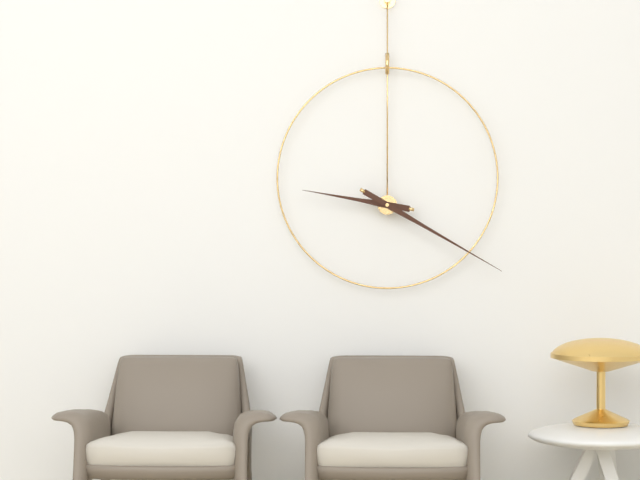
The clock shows 9.20
